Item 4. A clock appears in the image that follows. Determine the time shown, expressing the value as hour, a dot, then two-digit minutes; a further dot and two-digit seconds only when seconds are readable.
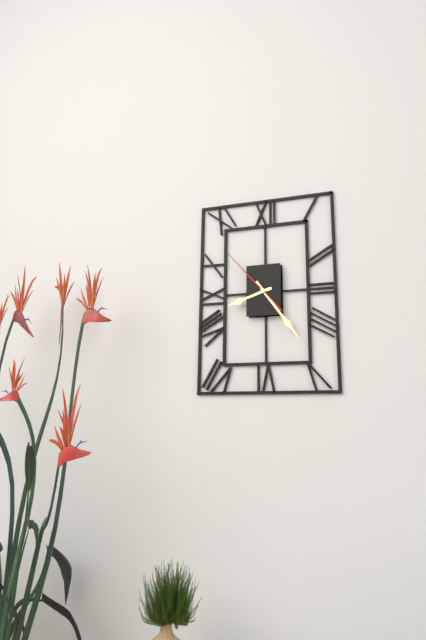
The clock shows 8.24.53
